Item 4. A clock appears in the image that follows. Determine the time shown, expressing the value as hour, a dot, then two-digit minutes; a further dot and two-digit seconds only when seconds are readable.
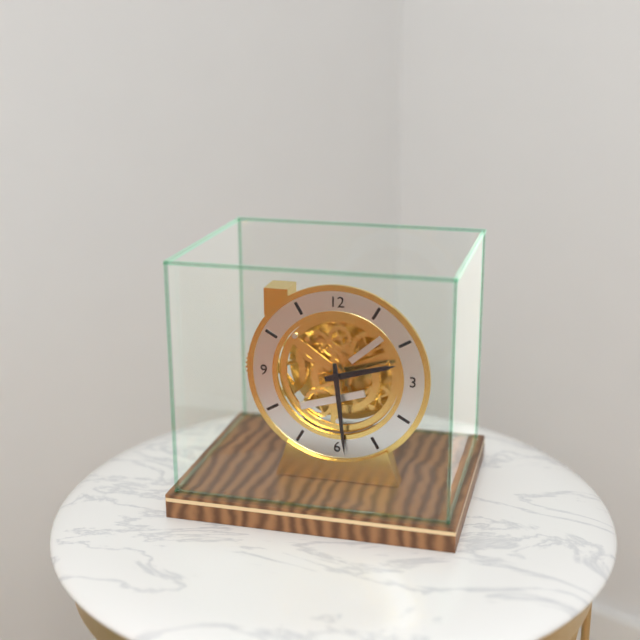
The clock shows 2.29
